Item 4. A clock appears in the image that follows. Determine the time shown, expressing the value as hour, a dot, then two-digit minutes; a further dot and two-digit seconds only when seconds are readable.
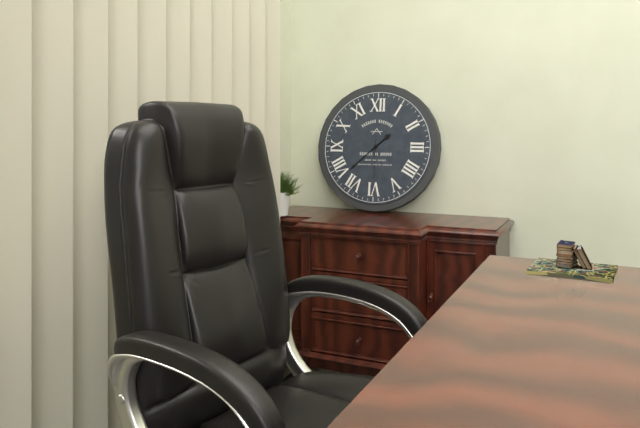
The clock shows 1.38
